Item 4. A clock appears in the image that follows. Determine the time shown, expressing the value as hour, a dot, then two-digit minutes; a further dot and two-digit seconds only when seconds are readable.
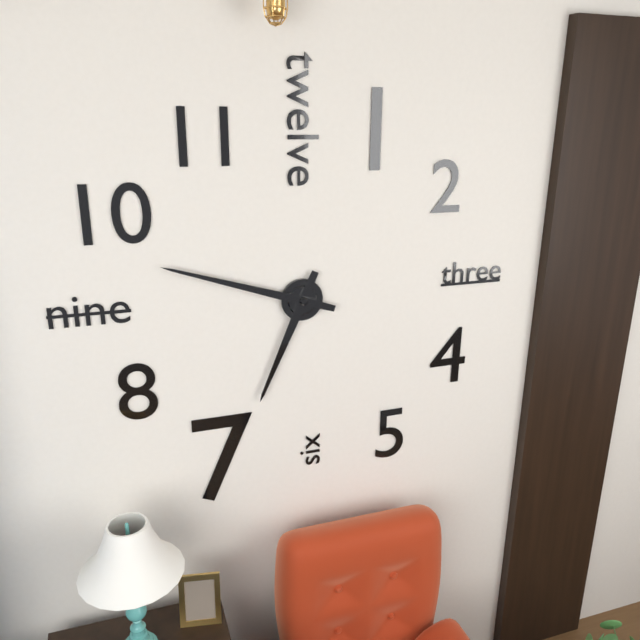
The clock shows 6.48
